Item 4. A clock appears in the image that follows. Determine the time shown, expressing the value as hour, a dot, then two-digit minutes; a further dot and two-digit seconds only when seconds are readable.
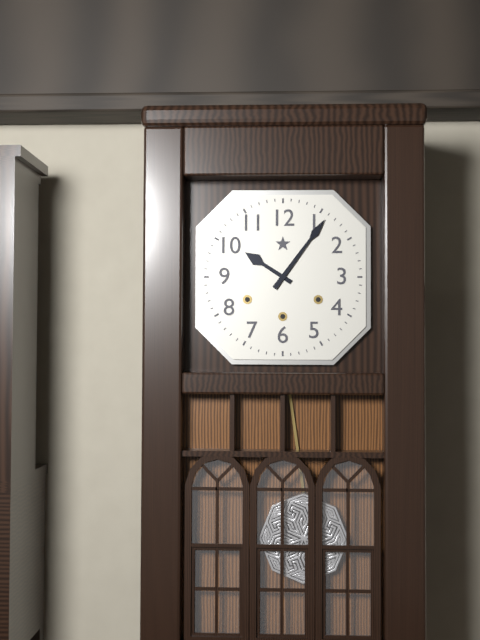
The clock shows 10.06
